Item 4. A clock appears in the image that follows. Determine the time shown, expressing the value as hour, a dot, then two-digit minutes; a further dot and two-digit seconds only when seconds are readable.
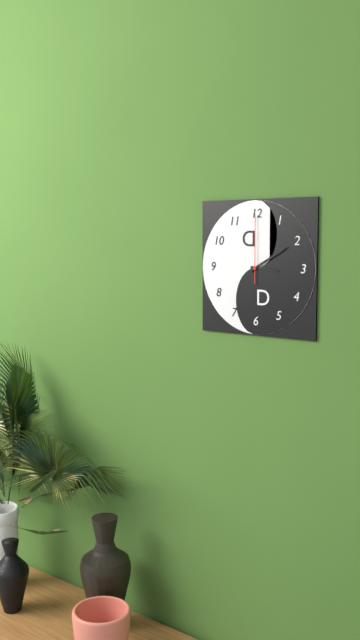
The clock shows 3.10.00
